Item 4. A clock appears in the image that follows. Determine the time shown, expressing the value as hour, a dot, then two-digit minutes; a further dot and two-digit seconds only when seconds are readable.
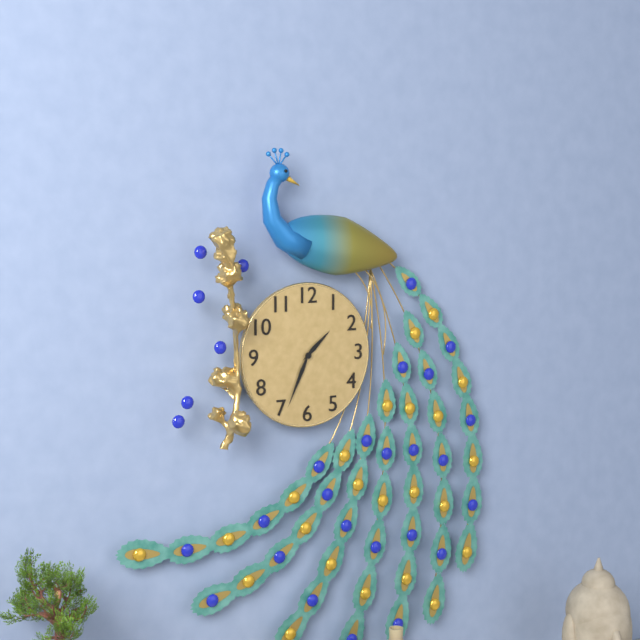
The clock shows 1.34
